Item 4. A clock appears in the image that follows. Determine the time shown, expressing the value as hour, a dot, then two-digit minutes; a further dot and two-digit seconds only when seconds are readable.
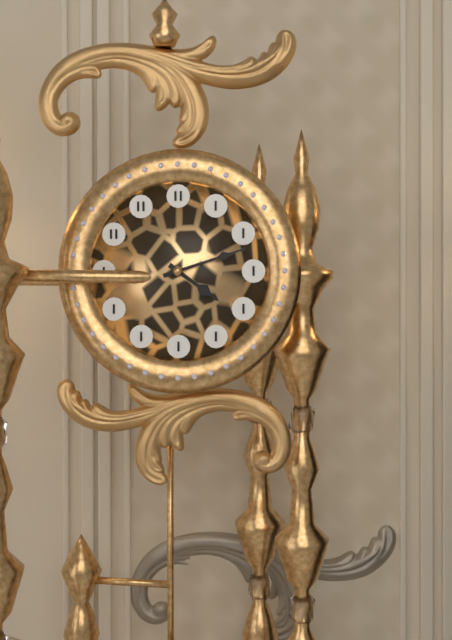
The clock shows 4.12
